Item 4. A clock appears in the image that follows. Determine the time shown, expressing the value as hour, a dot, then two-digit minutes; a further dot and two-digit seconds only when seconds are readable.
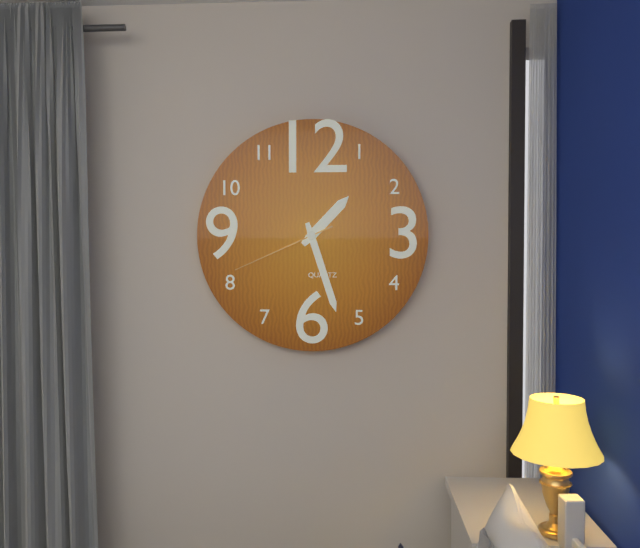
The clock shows 1.27.41
